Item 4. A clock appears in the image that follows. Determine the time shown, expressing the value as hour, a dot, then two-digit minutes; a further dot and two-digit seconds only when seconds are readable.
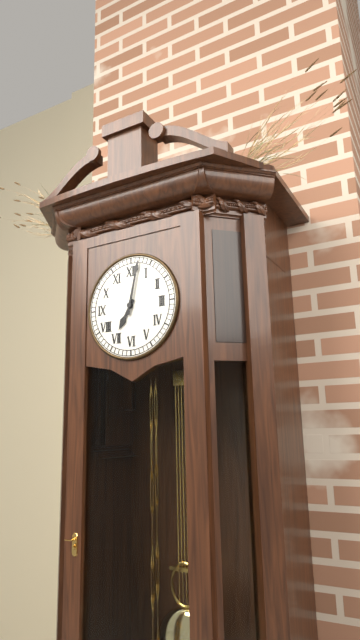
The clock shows 7.02
